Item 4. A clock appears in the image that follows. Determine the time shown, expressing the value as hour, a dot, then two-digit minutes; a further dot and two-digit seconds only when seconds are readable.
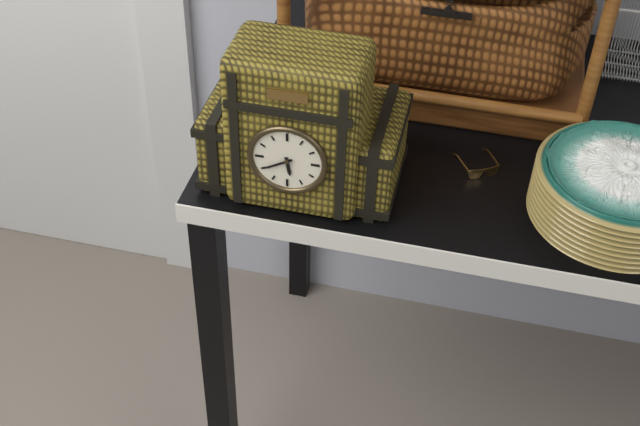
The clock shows 5.40
